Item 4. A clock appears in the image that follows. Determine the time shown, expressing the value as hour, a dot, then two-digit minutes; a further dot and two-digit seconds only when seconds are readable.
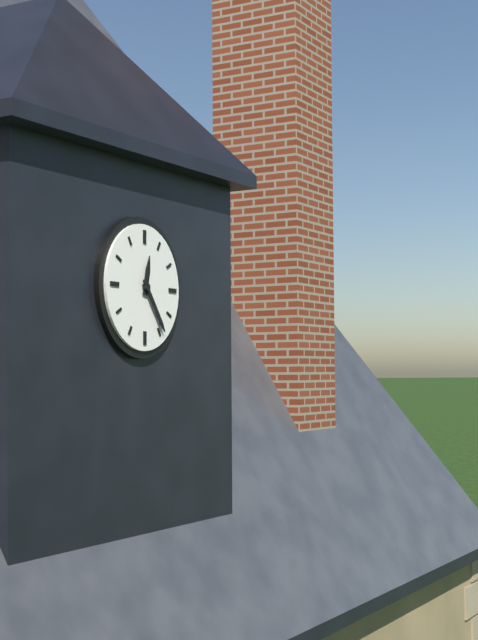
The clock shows 12.24
